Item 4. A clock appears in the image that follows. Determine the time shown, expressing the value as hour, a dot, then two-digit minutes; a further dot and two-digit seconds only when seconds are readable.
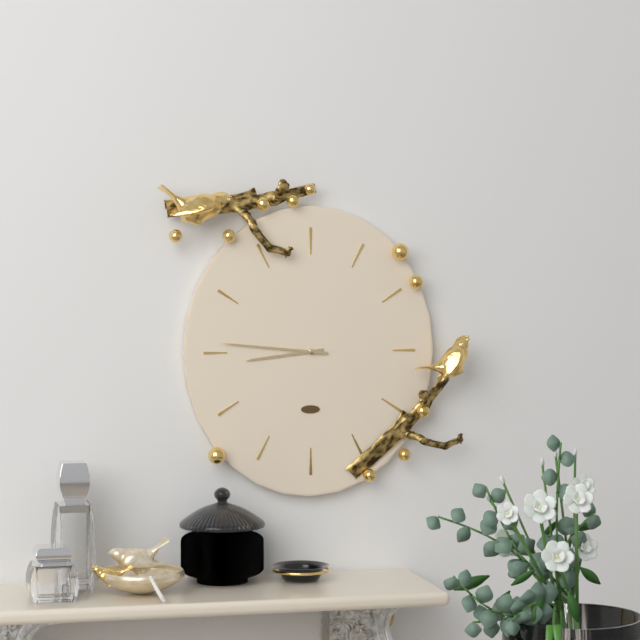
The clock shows 8.46
